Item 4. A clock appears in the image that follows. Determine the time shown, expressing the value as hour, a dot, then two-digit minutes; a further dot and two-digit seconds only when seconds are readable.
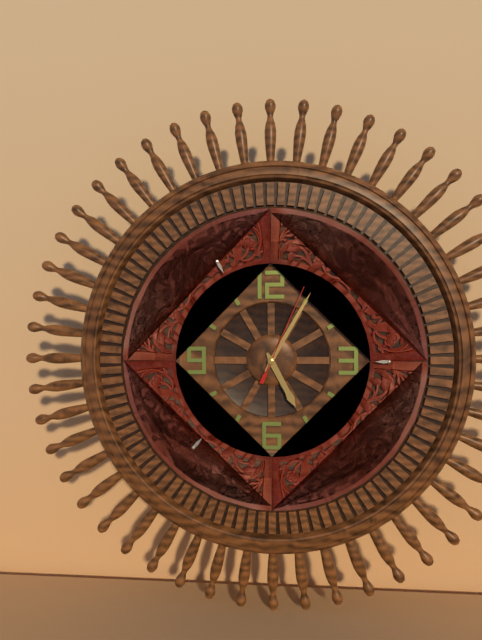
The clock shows 5.05.04
